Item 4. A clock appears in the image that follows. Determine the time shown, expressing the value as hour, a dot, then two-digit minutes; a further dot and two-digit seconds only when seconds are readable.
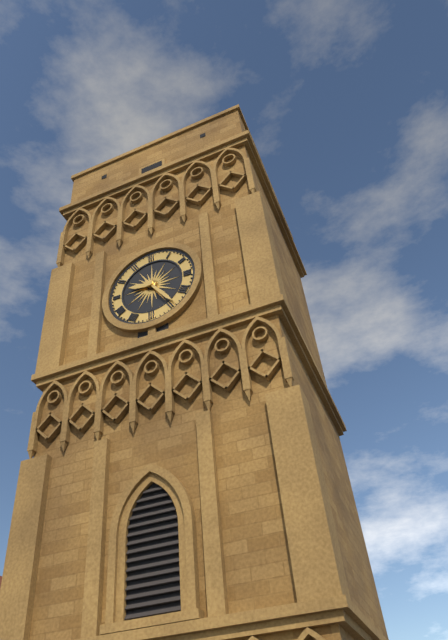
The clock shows 9.24
